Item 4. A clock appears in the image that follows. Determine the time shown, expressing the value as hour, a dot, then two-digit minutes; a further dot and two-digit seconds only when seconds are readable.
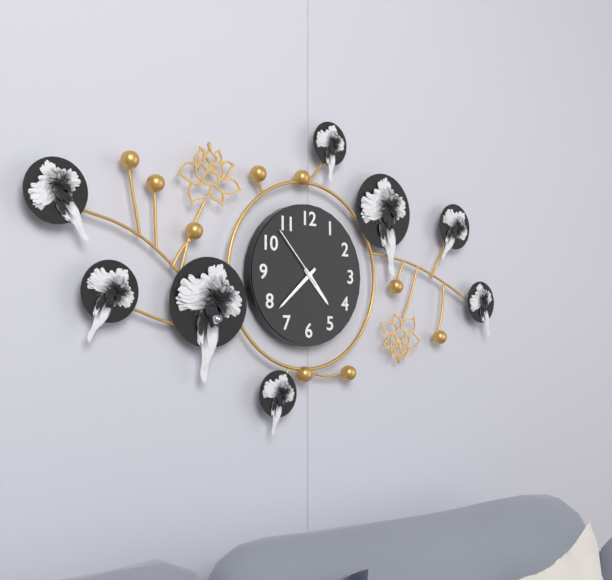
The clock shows 4.38.53
